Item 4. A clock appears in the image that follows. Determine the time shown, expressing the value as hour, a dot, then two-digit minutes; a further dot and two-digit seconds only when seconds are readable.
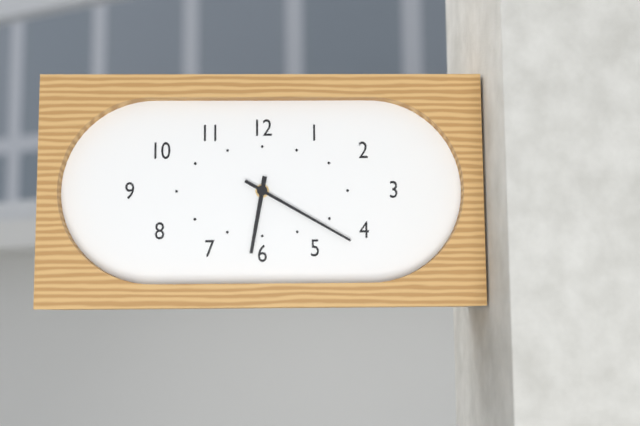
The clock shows 6.20
